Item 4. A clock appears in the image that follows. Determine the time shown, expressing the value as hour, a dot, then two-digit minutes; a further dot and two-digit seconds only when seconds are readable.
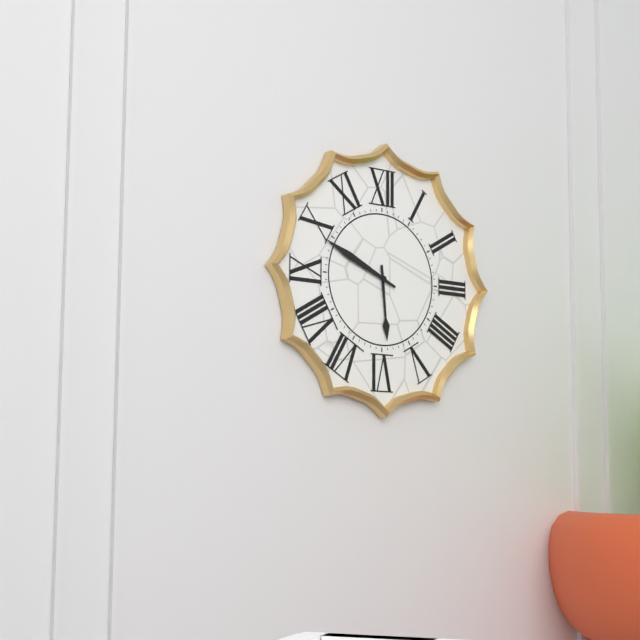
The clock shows 5.49
